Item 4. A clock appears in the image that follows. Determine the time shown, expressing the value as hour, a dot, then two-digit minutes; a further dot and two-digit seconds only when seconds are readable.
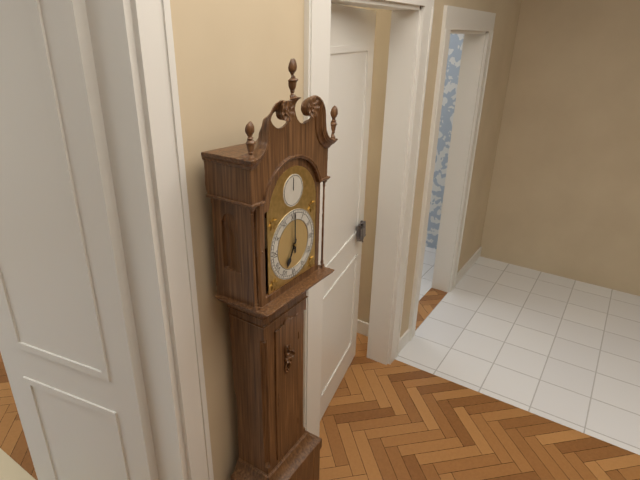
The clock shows 7.00
